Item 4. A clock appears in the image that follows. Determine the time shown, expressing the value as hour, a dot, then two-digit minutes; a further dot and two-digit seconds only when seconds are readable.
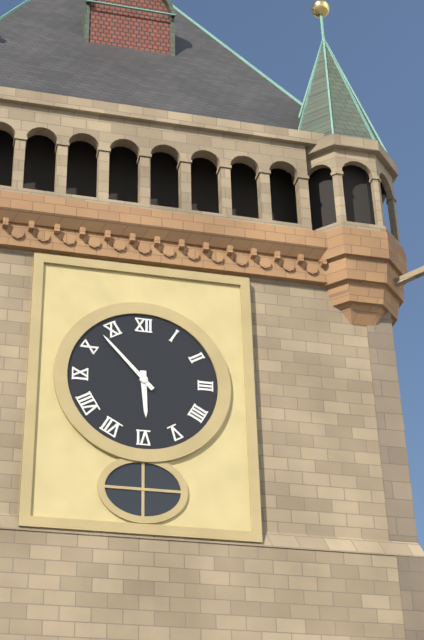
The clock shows 5.53
